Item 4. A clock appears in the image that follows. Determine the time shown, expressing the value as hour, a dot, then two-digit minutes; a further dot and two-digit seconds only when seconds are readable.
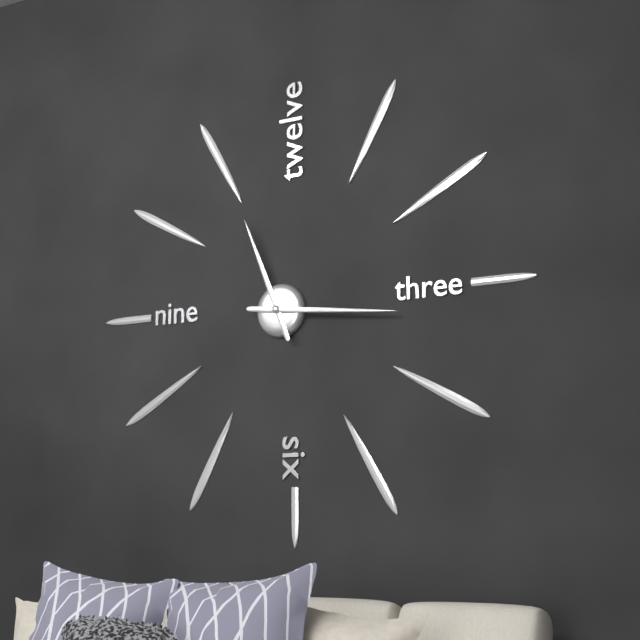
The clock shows 11.16
